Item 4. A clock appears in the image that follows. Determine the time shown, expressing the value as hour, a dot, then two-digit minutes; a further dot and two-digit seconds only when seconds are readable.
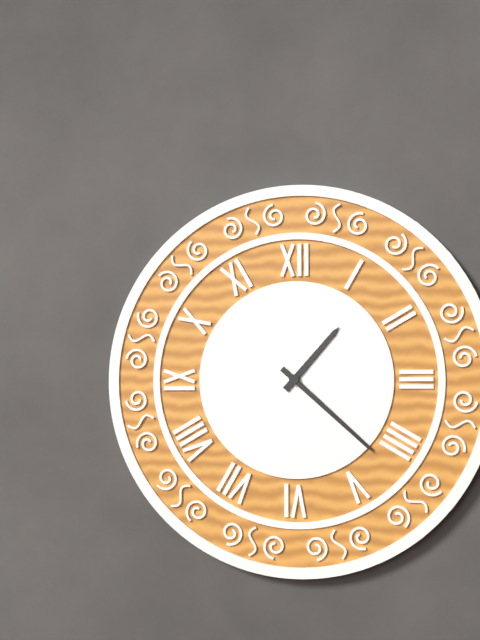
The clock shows 1.22
